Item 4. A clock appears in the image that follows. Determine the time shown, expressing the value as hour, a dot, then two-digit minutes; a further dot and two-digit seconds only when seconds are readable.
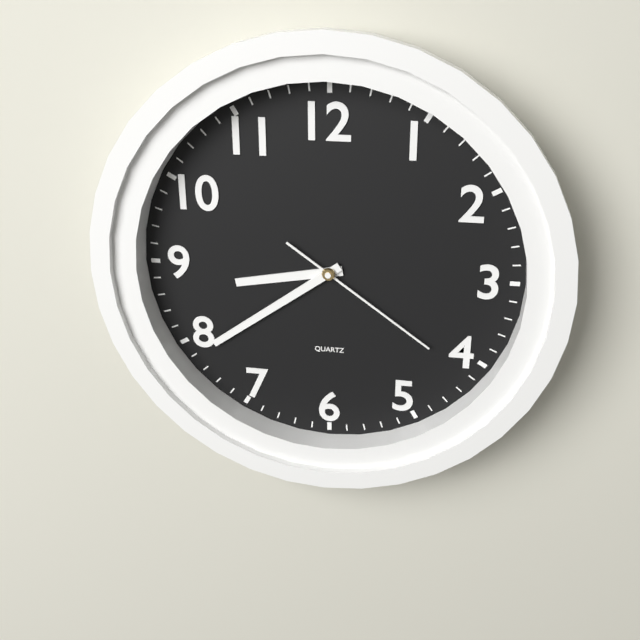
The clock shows 8.39.21
